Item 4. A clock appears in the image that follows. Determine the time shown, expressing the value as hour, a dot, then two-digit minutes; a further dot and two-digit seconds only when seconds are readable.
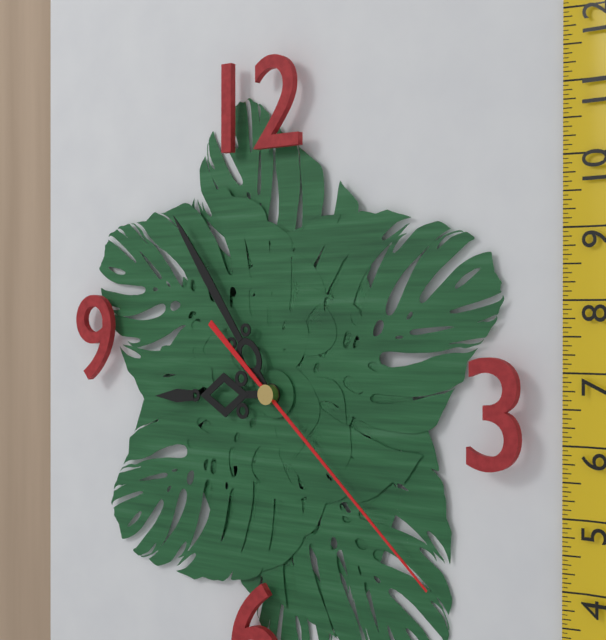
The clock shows 8.54.22
